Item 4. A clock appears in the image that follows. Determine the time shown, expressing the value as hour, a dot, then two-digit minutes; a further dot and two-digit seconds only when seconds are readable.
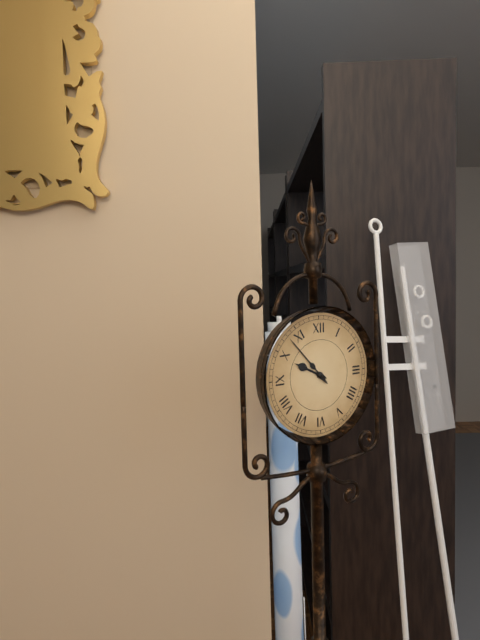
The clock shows 9.53
